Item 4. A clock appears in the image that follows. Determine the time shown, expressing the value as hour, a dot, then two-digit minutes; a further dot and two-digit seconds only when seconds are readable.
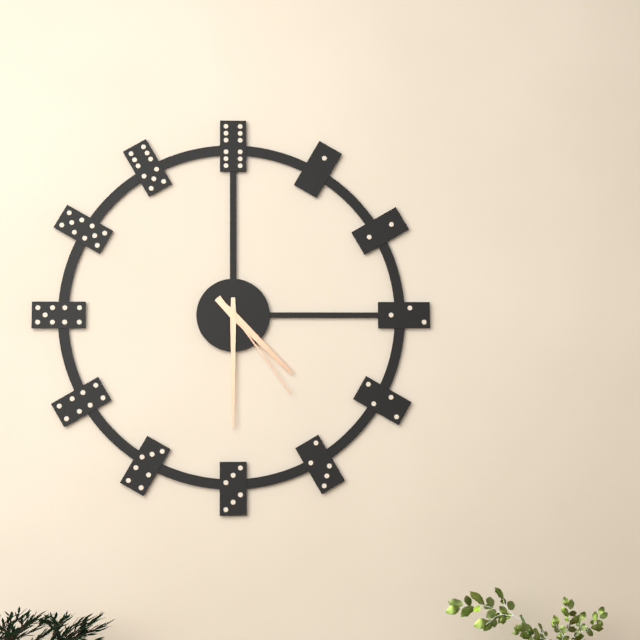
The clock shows 4.30.24
